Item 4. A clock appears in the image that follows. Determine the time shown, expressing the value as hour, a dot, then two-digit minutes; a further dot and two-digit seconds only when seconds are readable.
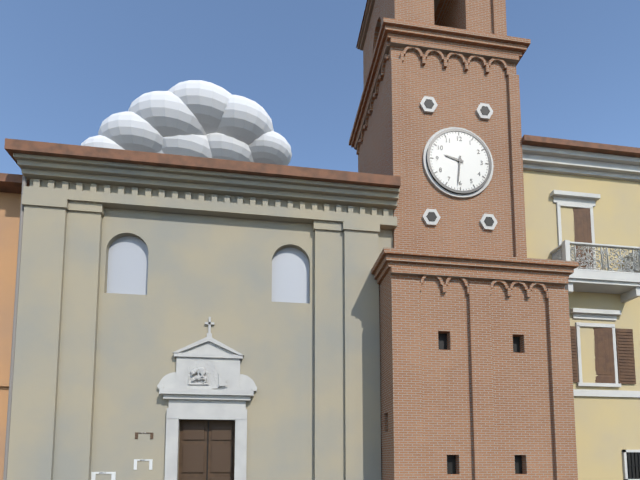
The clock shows 9.31
